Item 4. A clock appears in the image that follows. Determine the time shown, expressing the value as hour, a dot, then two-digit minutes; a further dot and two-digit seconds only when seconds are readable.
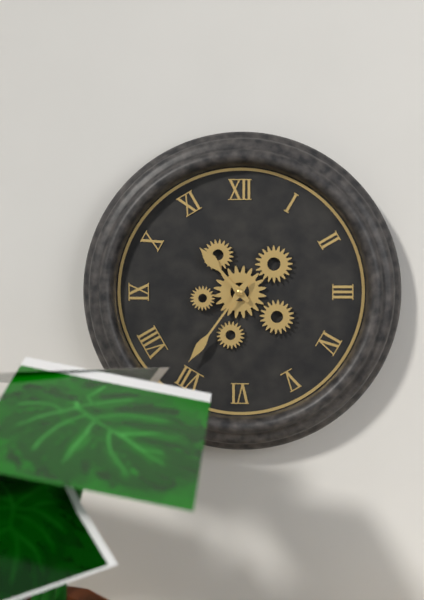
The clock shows 10.36
